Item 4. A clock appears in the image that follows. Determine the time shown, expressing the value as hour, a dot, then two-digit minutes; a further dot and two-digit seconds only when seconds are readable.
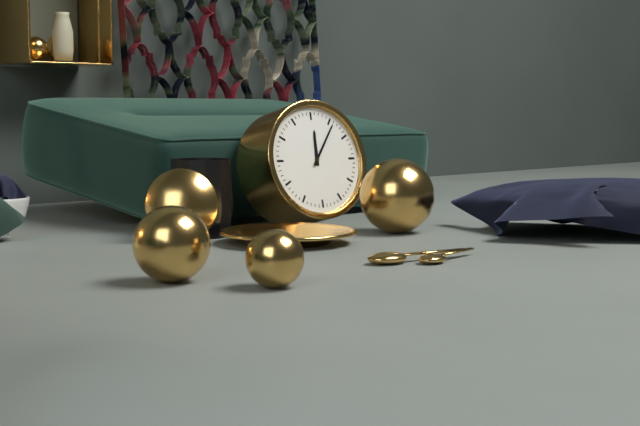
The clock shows 12.06
